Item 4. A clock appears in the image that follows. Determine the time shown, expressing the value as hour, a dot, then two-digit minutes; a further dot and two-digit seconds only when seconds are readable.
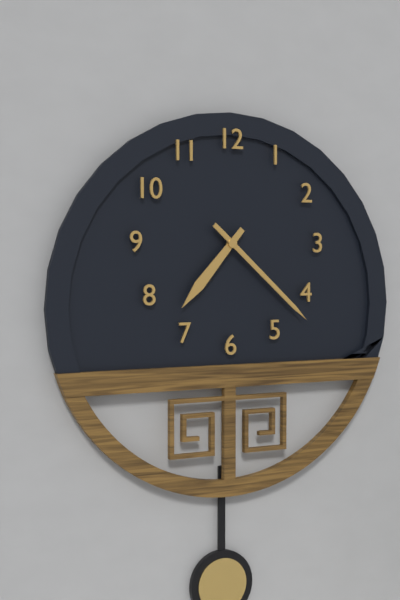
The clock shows 7.22
